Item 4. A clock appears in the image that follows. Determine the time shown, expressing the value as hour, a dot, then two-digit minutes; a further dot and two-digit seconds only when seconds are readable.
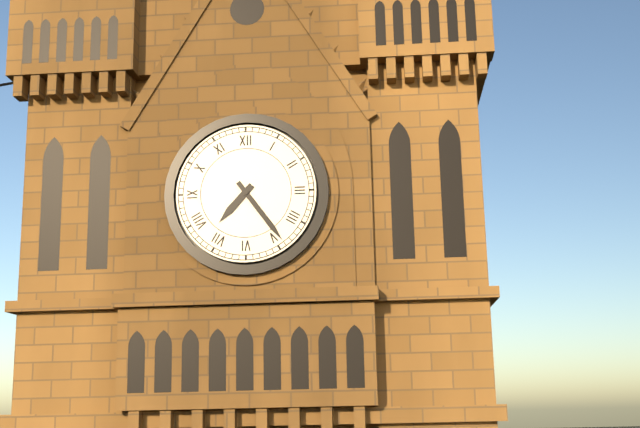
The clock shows 7.24
